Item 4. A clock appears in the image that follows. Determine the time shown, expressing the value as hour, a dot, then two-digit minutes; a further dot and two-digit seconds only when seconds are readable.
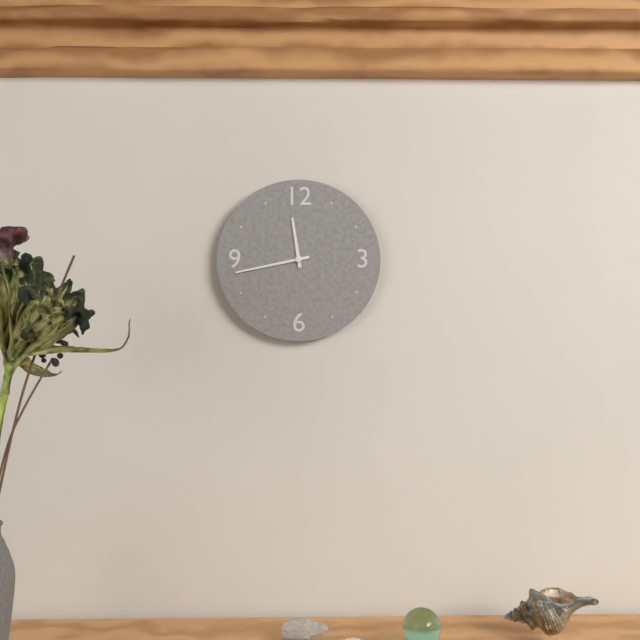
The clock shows 11.43
